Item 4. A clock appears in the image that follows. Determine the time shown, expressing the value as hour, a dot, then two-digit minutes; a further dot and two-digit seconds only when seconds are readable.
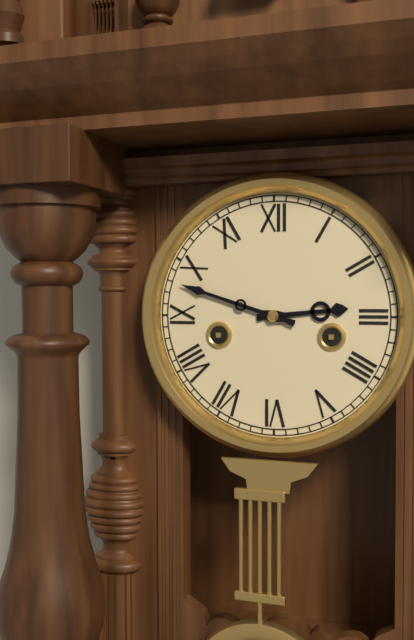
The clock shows 2.48
